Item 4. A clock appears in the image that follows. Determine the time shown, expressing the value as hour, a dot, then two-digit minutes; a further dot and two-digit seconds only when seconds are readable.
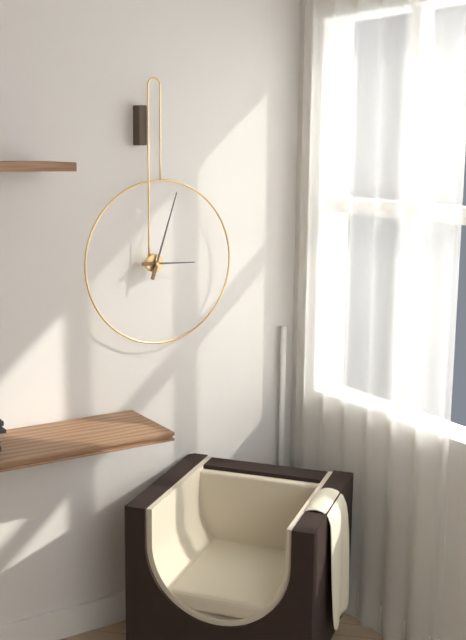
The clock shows 3.03
